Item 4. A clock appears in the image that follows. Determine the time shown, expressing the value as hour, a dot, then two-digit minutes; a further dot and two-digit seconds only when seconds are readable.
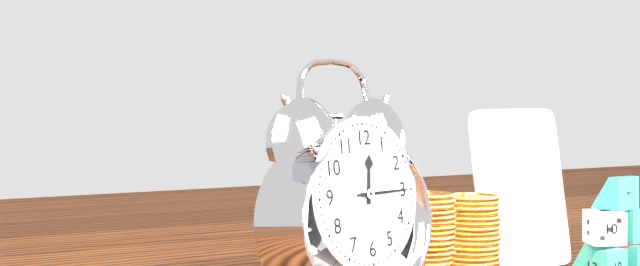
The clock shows 12.15.15
